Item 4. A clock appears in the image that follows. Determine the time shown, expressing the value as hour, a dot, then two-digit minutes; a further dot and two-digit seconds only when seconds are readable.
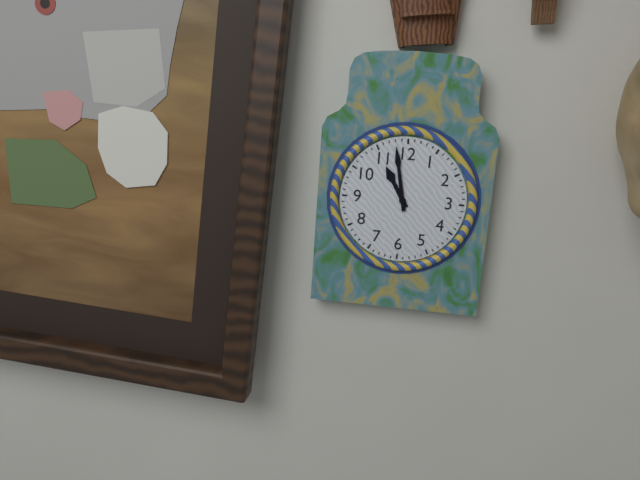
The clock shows 10.58
